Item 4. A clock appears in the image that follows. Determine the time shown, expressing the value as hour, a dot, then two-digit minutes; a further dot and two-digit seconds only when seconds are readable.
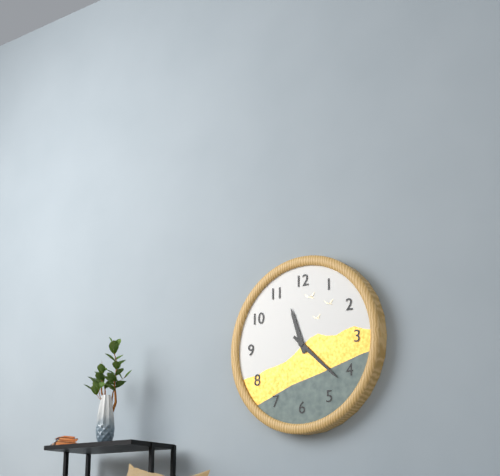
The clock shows 11.22
